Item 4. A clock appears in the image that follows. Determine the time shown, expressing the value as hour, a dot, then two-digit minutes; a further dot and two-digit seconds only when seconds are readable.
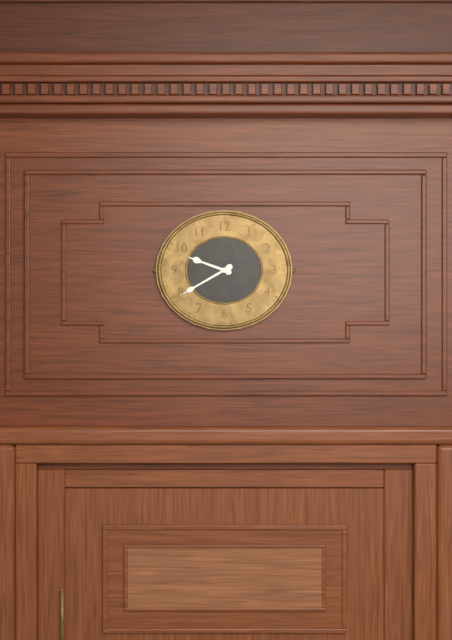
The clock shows 9.40
